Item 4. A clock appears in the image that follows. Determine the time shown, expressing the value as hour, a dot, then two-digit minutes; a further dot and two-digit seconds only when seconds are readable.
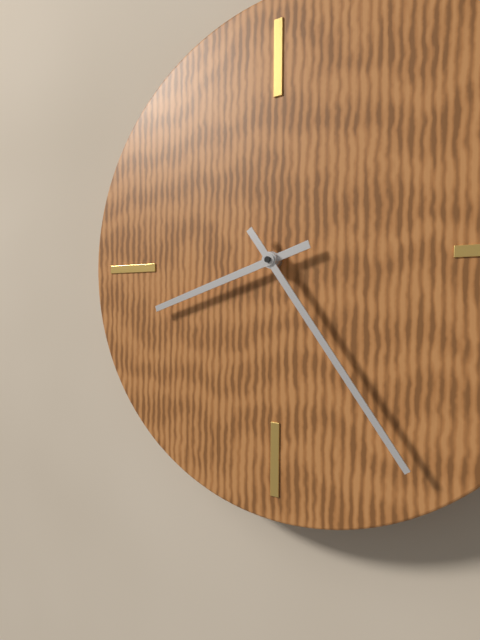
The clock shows 8.24
